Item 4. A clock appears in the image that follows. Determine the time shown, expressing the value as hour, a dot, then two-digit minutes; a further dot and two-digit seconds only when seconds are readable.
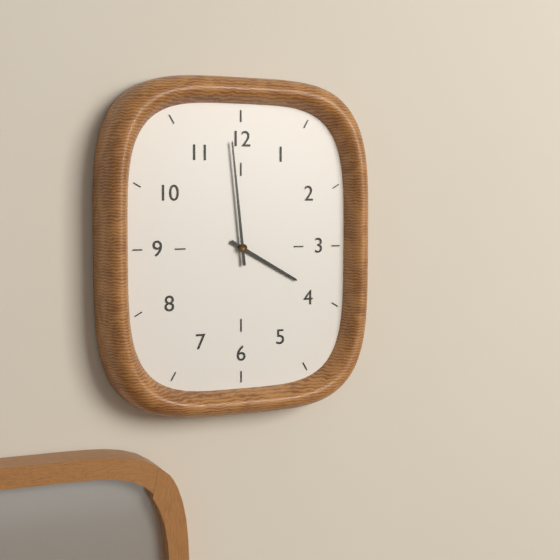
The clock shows 3.59
